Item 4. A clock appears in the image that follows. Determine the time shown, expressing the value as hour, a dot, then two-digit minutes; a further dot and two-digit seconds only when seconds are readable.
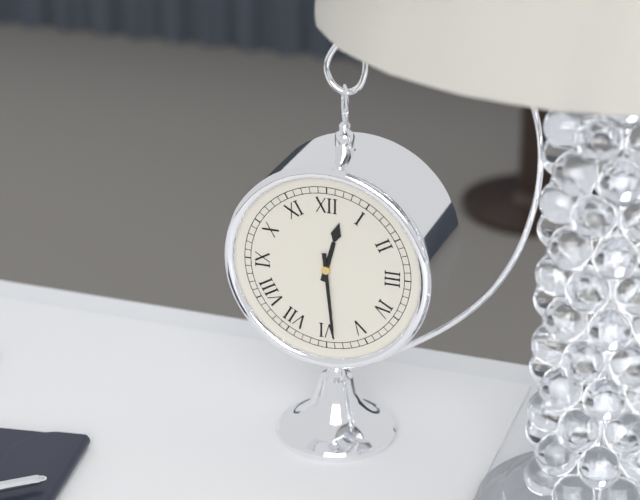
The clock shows 12.29
